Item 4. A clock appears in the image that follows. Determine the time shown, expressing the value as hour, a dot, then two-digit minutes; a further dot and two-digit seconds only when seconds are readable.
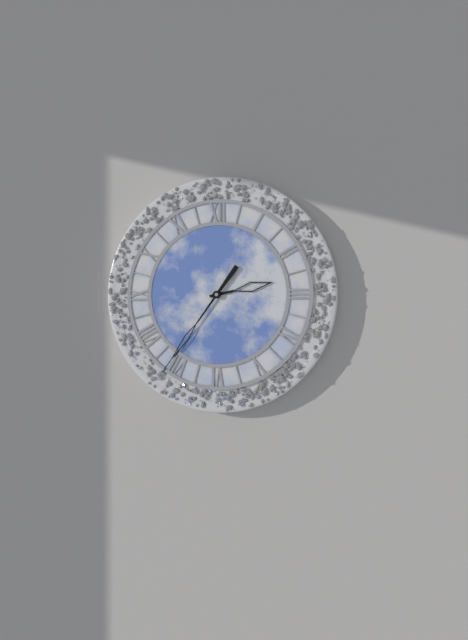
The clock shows 2.36
